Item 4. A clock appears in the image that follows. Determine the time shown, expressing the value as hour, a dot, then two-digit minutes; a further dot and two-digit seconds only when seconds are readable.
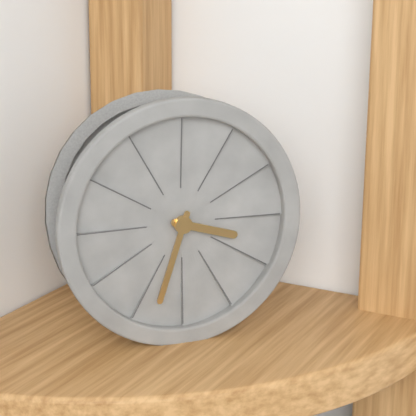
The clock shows 3.33
